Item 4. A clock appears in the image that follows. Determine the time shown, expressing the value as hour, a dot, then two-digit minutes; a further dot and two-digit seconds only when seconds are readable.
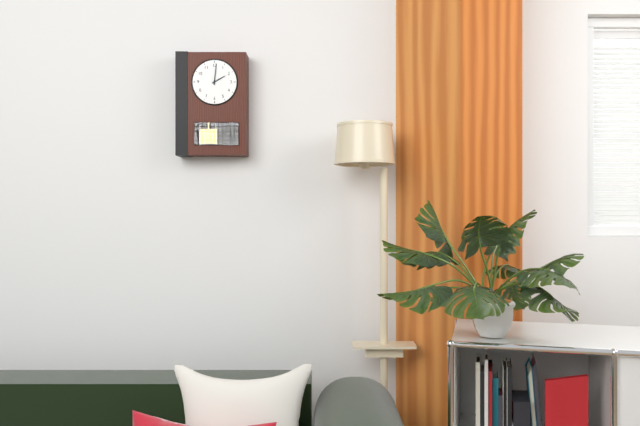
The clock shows 2.01
